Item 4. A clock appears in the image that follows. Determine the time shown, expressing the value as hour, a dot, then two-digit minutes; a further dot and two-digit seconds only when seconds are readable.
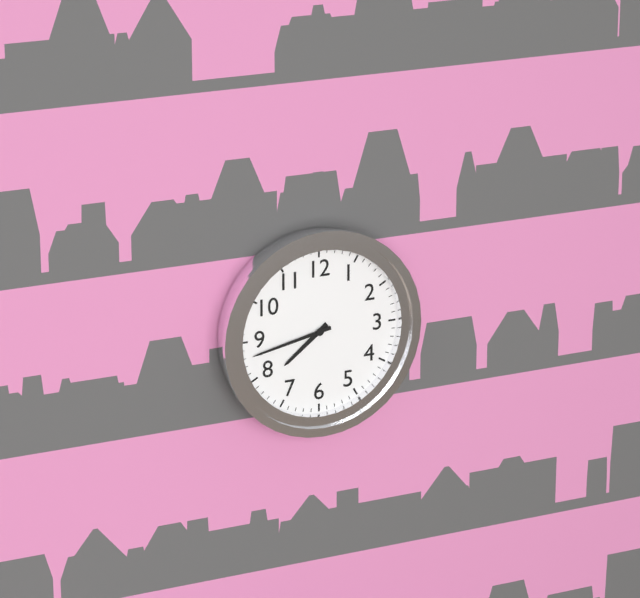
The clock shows 7.43
